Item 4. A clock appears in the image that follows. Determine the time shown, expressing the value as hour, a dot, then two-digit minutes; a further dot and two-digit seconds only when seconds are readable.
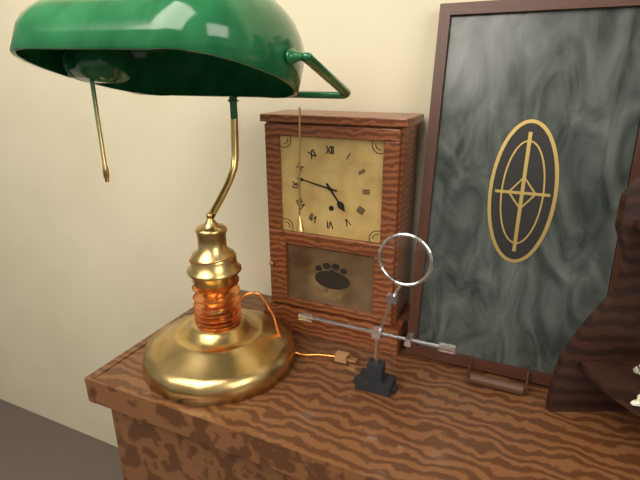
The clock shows 4.47
